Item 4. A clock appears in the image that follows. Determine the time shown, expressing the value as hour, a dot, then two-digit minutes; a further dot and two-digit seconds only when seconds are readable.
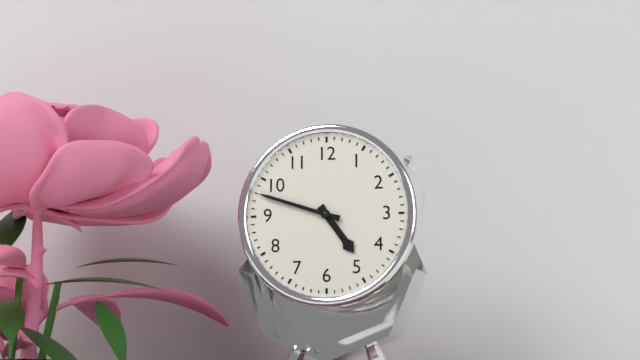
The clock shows 4.48
